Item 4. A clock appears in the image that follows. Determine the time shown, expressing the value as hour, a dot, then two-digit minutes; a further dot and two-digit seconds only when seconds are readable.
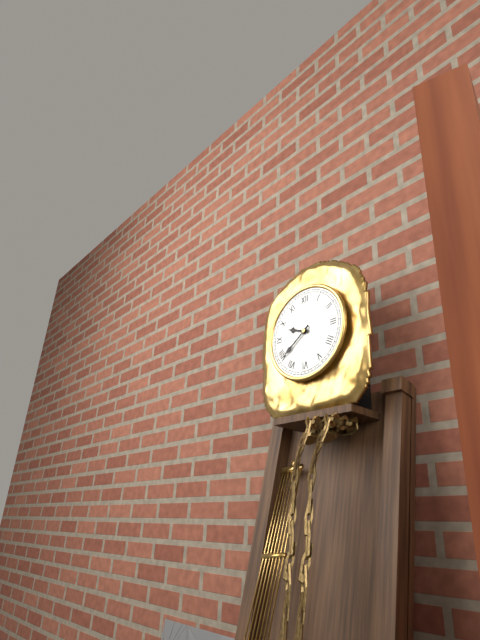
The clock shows 9.39
